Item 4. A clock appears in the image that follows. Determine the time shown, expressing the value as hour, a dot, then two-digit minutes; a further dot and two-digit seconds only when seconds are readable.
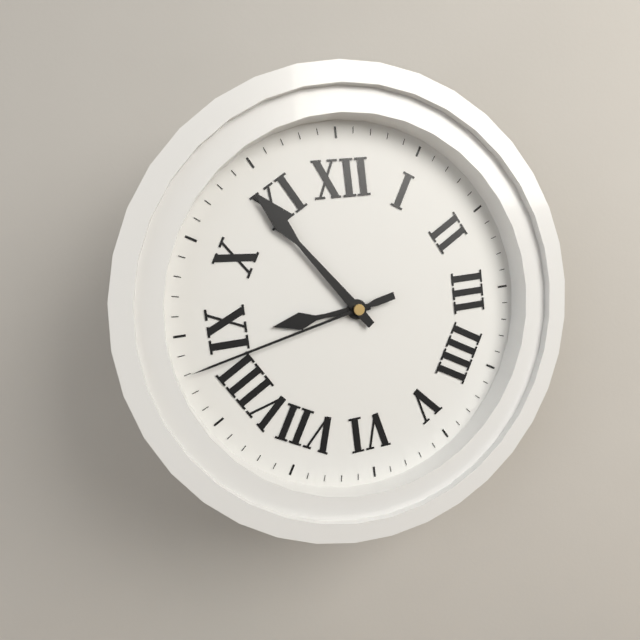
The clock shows 8.54.43
